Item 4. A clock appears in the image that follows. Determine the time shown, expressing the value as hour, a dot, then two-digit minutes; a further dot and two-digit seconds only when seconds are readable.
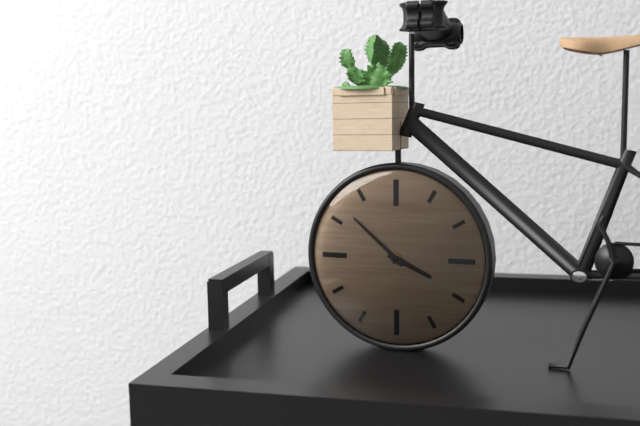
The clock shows 3.52
